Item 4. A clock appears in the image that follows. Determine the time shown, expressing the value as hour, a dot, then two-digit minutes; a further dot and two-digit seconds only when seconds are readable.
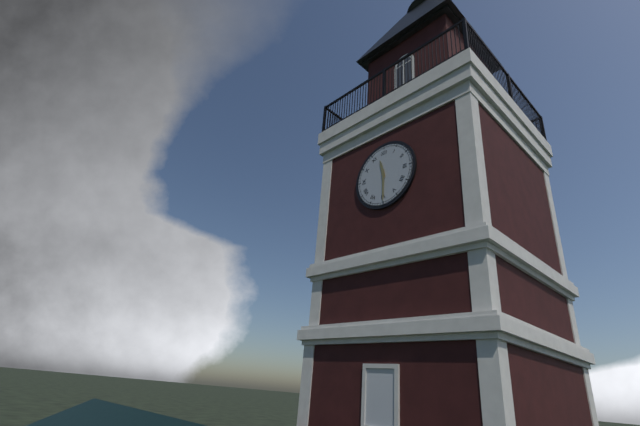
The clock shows 11.30
